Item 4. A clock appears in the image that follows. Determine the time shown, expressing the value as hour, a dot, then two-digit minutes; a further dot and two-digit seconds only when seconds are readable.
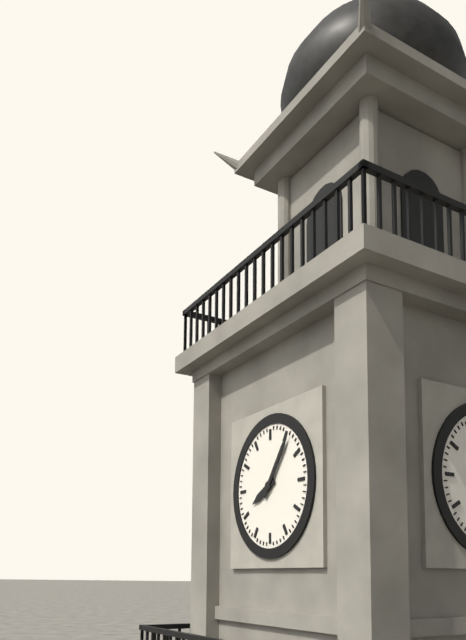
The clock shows 8.06
